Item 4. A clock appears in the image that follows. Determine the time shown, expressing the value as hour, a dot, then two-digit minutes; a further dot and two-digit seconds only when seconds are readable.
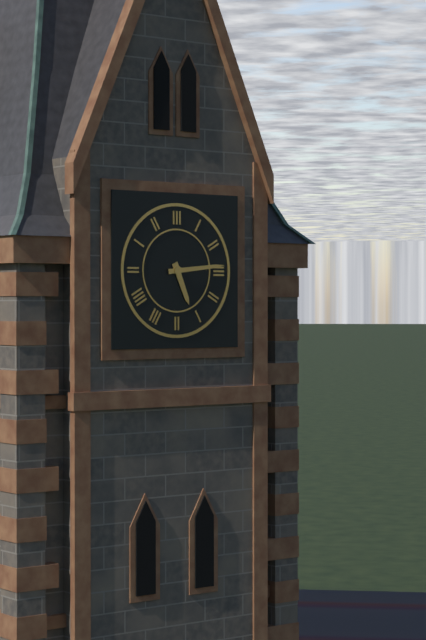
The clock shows 5.14
